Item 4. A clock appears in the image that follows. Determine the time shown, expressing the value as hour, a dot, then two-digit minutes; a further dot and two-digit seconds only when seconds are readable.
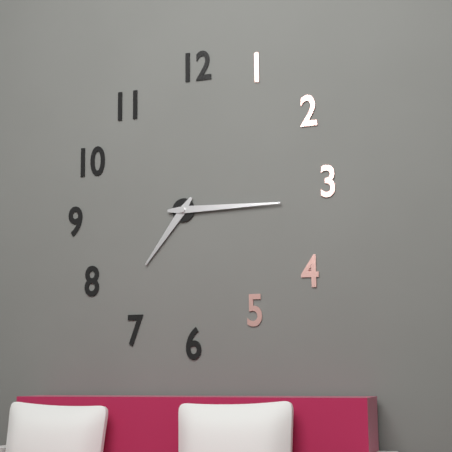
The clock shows 7.15
